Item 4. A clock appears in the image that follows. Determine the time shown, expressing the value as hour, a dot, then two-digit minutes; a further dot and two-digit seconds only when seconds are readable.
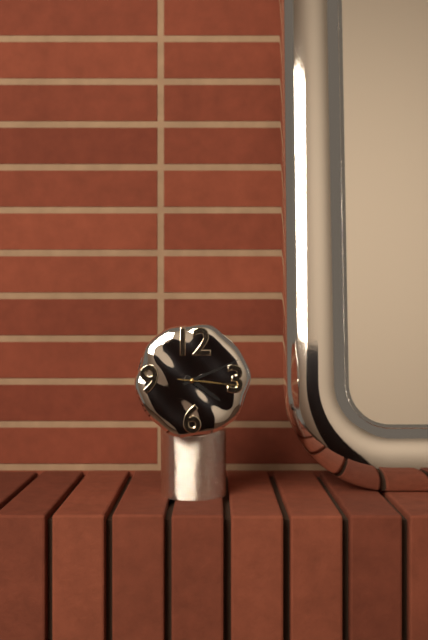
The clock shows 4.11.16
